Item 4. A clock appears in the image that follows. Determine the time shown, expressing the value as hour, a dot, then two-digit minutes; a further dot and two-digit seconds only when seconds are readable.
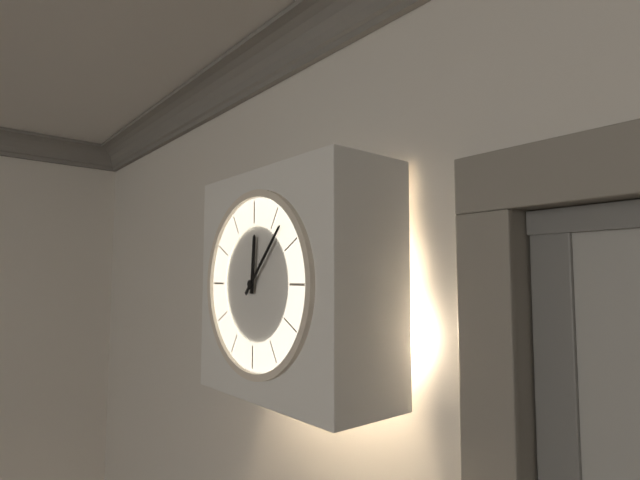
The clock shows 12.07
